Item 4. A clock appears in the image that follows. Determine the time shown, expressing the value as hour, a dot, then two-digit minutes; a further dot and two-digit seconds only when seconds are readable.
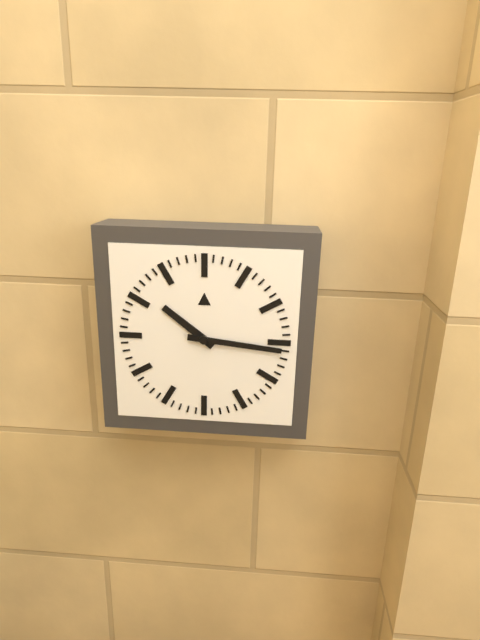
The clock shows 10.16
